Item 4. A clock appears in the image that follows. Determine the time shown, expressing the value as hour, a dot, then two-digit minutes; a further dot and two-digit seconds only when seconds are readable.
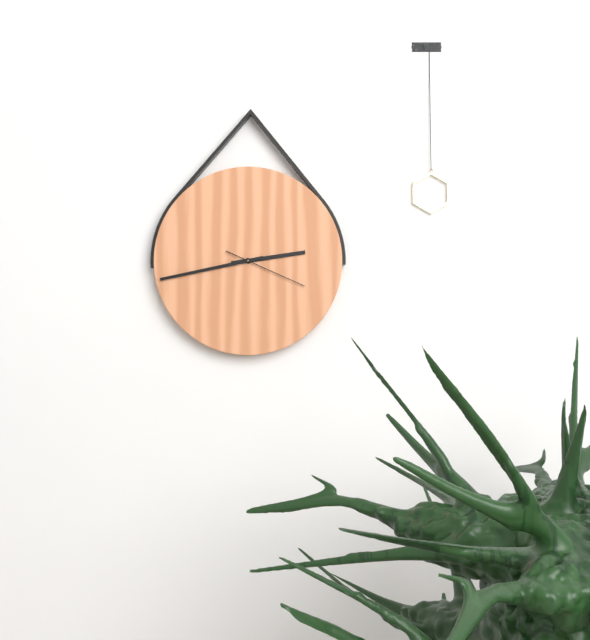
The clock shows 2.43.19
